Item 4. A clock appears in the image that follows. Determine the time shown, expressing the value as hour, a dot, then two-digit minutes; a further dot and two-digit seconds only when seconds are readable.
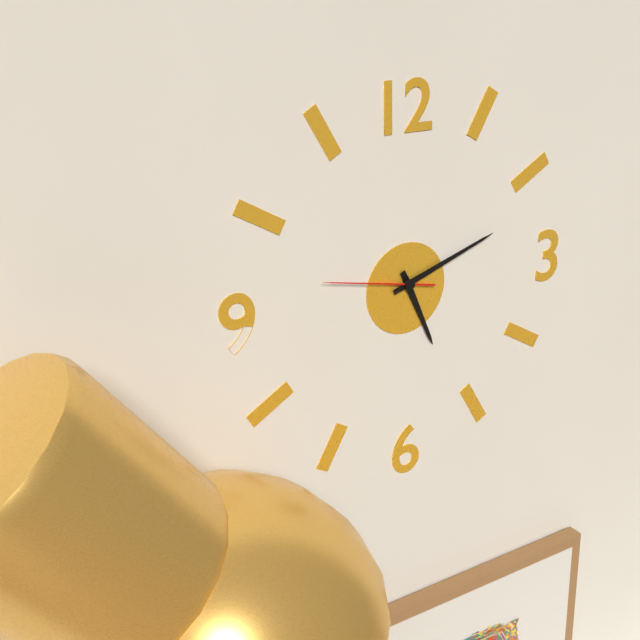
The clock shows 5.12.47
